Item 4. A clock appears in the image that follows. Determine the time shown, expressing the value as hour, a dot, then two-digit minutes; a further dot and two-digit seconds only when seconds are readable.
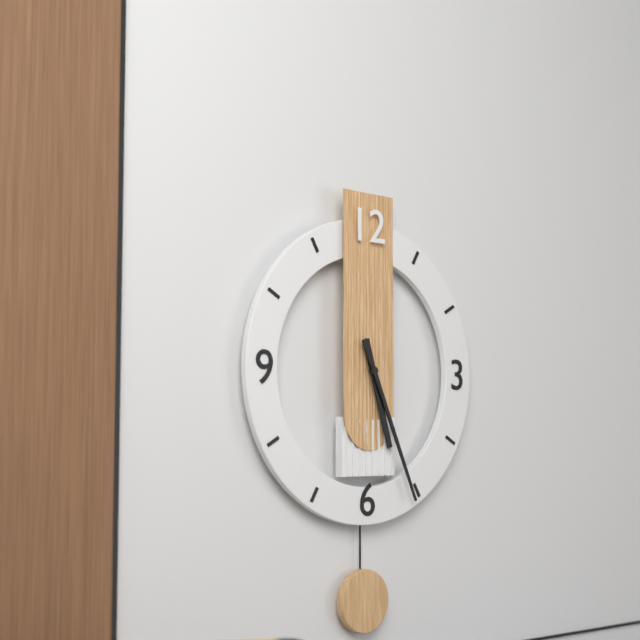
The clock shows 5.26
